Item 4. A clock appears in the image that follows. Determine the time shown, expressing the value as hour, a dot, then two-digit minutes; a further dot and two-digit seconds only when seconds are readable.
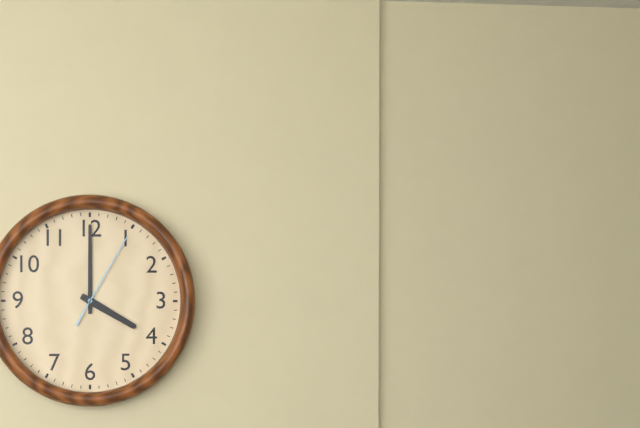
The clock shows 4.00.05
